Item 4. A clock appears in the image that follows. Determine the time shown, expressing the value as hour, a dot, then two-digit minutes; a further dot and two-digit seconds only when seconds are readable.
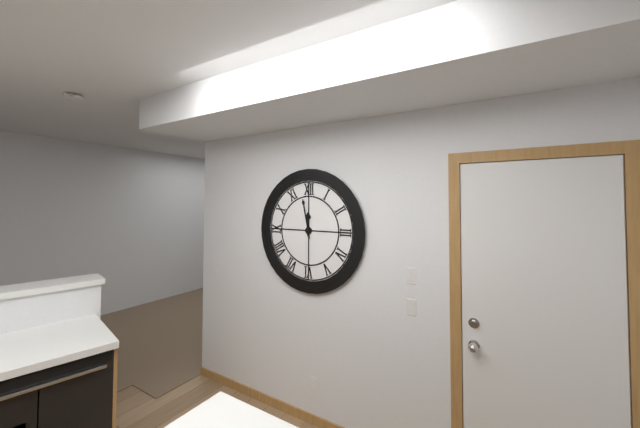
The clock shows 11.58
